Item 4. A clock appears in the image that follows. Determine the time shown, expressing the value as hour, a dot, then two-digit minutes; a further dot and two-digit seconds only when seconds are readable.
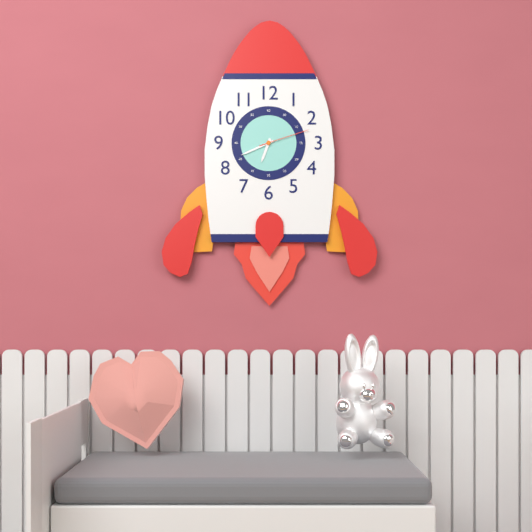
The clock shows 6.41.12
